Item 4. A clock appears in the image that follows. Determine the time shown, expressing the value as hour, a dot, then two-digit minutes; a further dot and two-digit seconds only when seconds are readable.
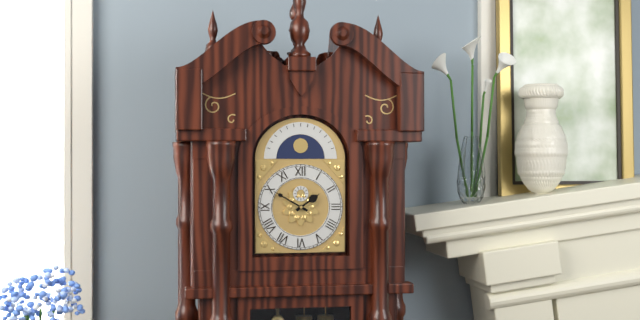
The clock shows 1.50
